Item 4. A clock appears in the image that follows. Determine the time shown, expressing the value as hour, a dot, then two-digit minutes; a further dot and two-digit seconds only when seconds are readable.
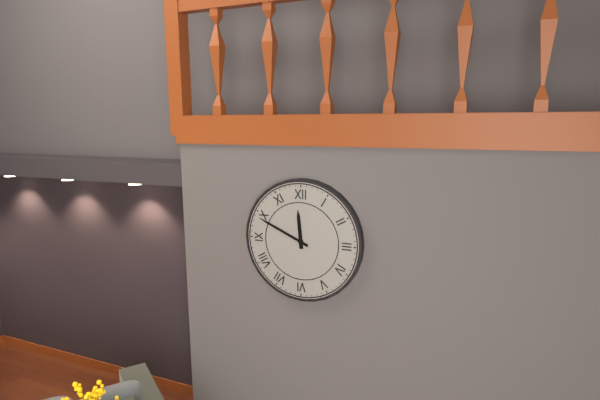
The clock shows 11.49
